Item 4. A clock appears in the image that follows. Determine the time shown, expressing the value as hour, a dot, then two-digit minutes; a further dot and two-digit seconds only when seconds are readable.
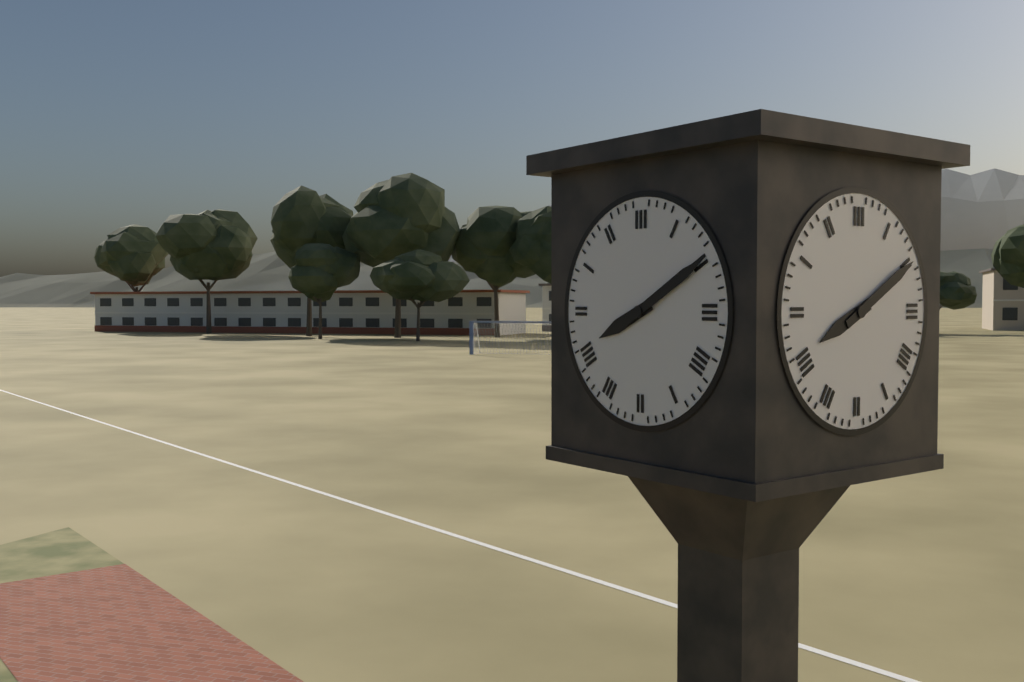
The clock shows 8.10
